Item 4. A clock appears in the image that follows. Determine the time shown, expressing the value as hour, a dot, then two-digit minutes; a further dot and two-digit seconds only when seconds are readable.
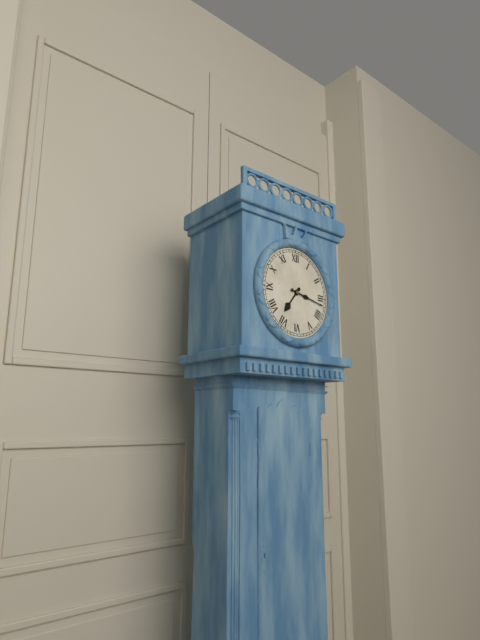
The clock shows 7.17
